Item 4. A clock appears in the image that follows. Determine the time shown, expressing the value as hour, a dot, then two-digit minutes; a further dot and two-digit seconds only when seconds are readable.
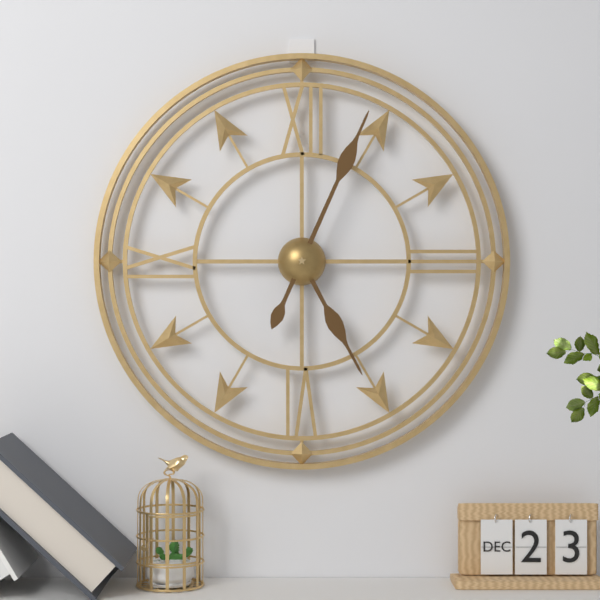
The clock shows 5.04
